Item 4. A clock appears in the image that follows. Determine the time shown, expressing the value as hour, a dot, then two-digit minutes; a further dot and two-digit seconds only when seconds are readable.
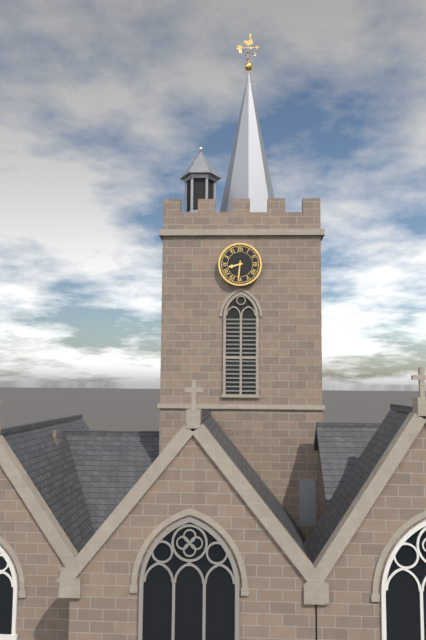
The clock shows 8.31
